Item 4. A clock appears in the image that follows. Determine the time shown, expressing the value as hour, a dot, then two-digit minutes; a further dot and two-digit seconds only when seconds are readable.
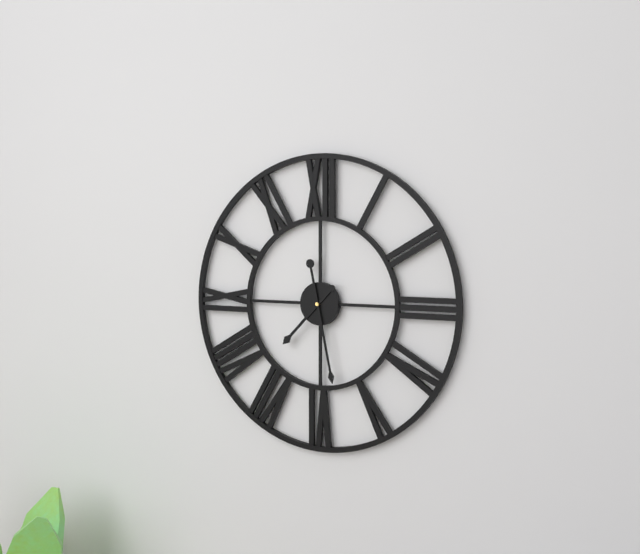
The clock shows 7.28
